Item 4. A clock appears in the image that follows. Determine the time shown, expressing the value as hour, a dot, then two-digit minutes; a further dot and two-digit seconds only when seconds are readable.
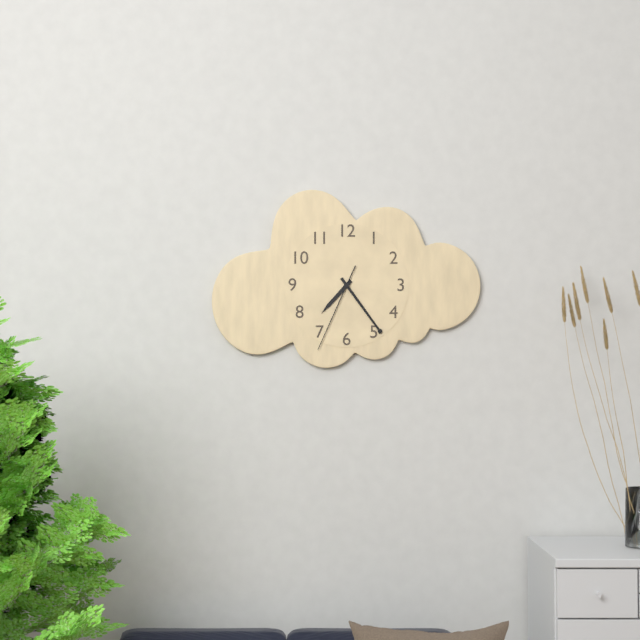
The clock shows 7.24.34
